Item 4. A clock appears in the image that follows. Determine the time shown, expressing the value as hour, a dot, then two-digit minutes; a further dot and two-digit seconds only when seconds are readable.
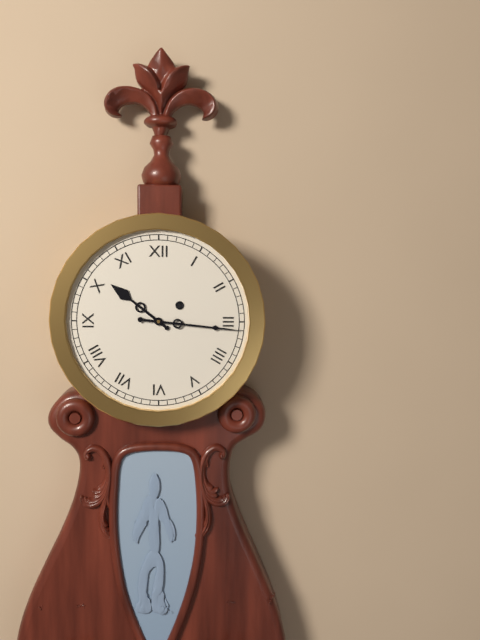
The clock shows 10.16
